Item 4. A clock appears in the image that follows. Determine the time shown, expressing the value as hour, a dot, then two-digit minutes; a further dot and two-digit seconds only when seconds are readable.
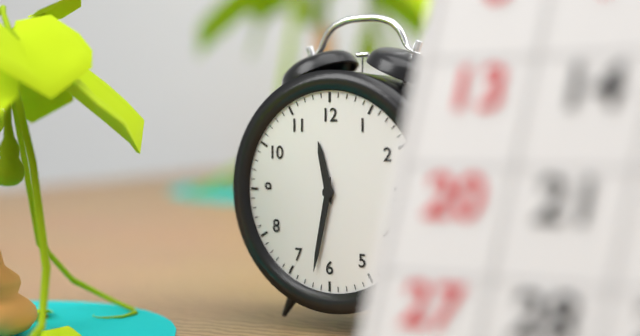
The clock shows 11.32
